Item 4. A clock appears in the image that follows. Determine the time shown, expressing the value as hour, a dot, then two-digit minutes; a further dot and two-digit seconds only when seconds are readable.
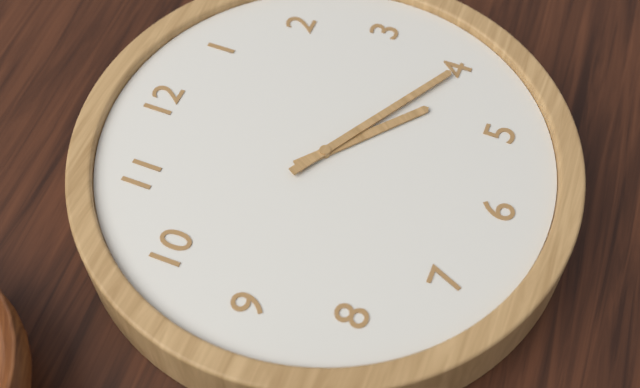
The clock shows 4.20
